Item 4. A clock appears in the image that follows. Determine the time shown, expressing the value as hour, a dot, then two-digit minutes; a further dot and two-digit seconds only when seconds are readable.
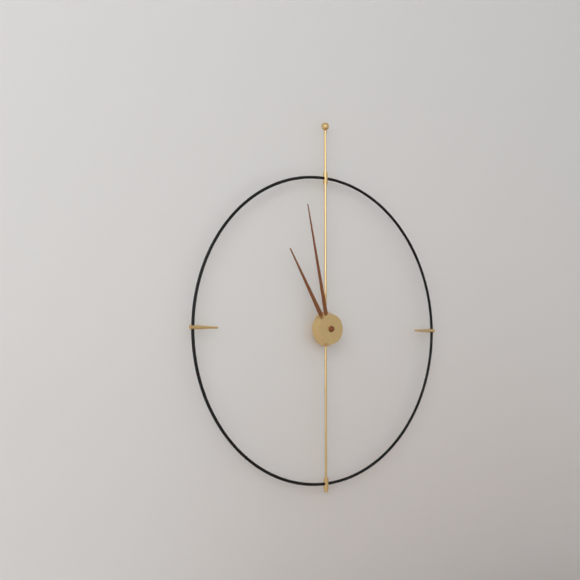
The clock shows 10.58
